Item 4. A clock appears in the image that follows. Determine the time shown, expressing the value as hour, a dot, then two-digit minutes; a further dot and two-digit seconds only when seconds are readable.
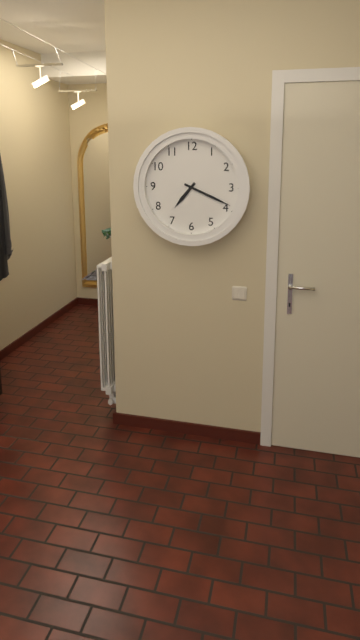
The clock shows 7.19
